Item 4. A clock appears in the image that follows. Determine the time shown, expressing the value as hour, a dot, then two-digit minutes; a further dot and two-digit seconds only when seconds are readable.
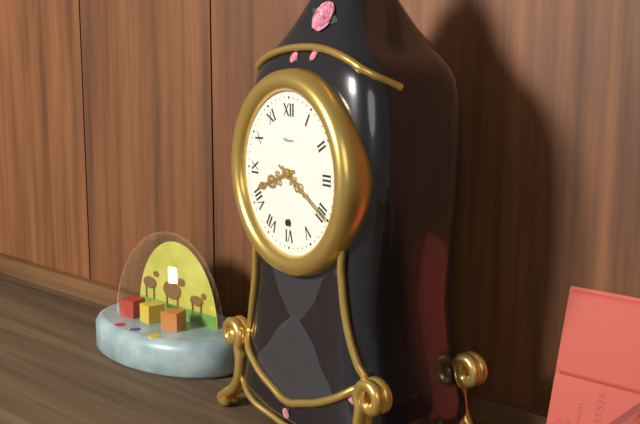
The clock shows 8.20
